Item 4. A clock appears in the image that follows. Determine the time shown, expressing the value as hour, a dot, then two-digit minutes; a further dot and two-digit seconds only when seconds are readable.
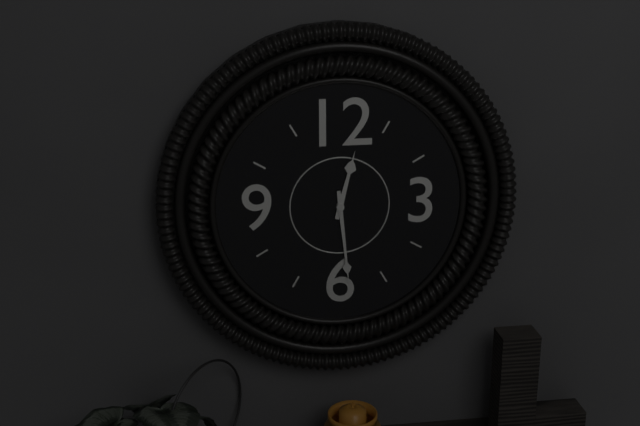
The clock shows 12.29
